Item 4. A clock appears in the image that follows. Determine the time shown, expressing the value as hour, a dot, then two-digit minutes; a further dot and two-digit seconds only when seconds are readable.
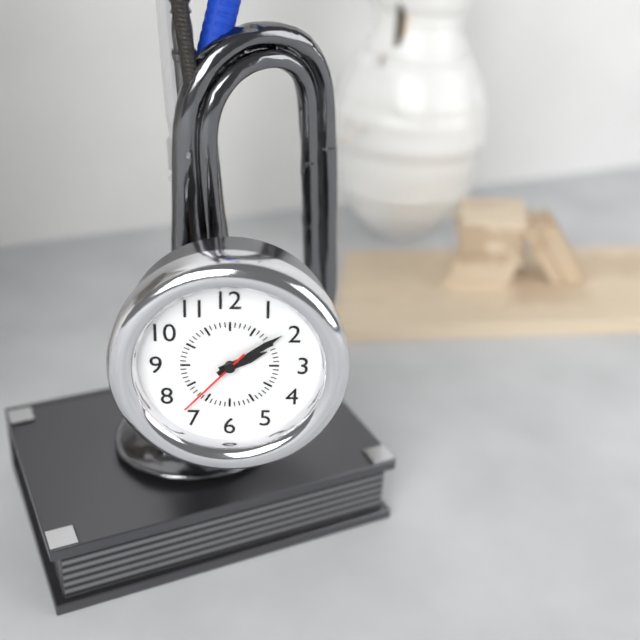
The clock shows 2.09.37
